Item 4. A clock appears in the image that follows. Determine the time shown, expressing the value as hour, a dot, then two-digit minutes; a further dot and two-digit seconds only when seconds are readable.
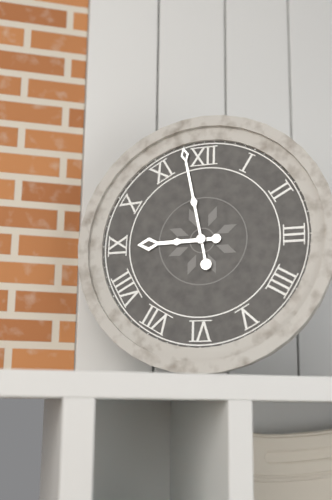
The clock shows 8.58
